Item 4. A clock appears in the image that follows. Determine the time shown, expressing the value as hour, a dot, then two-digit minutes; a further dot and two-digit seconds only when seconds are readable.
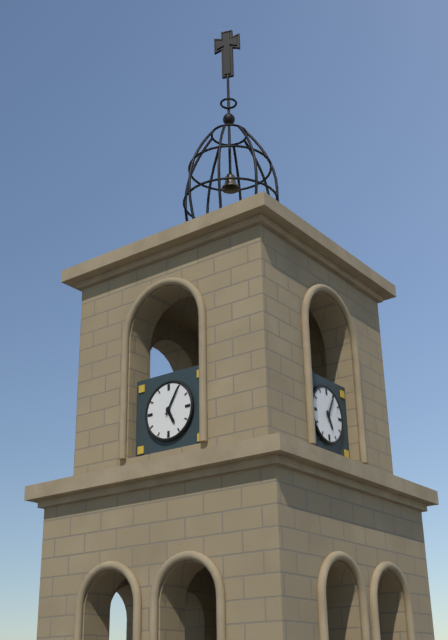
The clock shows 5.05
